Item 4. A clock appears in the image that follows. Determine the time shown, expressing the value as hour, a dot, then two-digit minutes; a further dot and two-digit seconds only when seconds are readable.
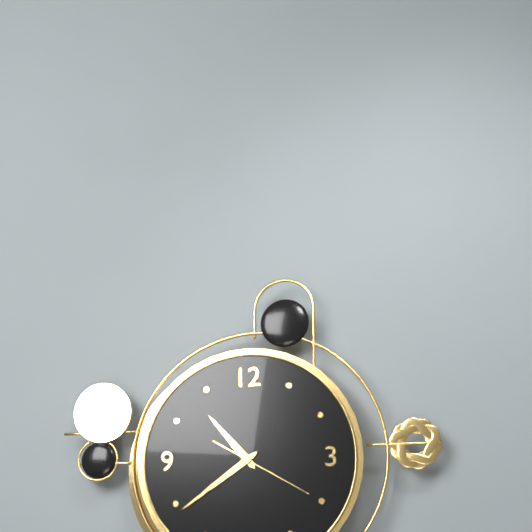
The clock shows 10.39.20
